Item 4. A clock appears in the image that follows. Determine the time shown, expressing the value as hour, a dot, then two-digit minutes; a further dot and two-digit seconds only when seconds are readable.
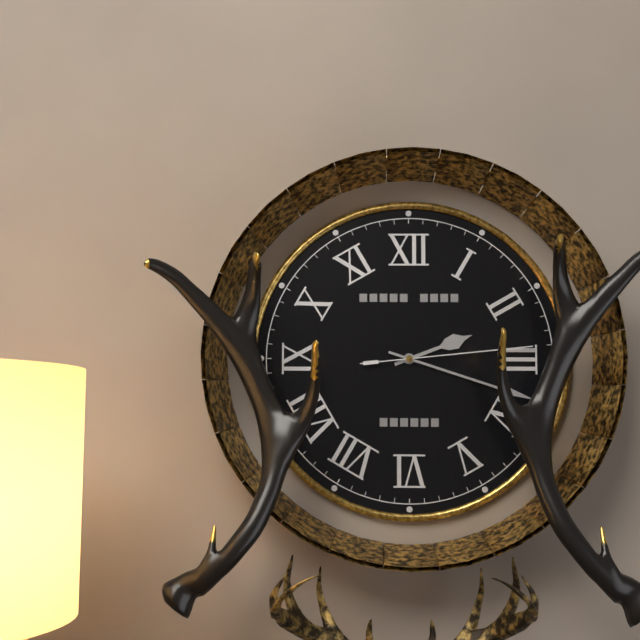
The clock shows 2.18.14
